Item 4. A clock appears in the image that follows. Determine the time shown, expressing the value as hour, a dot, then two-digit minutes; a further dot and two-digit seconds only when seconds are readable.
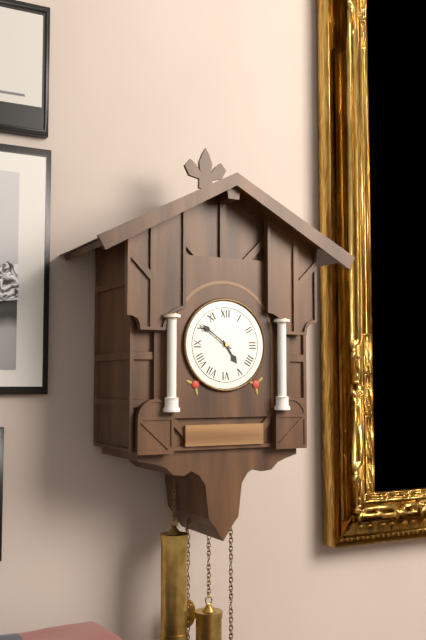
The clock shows 4.51
